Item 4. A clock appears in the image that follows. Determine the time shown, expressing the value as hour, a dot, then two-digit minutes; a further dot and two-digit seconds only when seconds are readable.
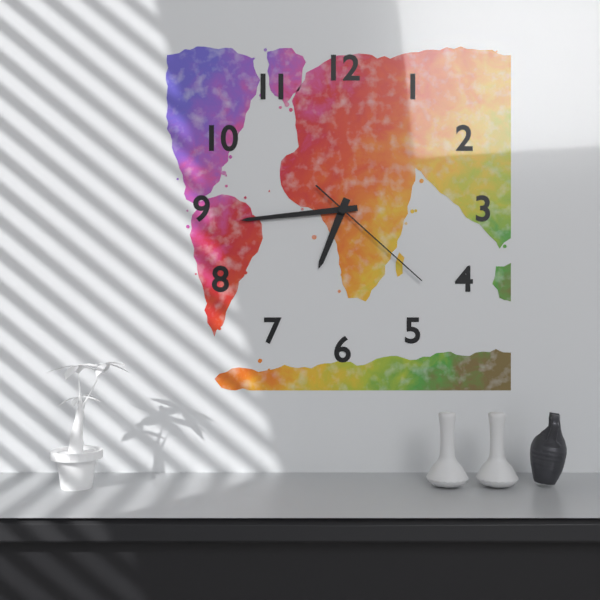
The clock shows 6.44.22
